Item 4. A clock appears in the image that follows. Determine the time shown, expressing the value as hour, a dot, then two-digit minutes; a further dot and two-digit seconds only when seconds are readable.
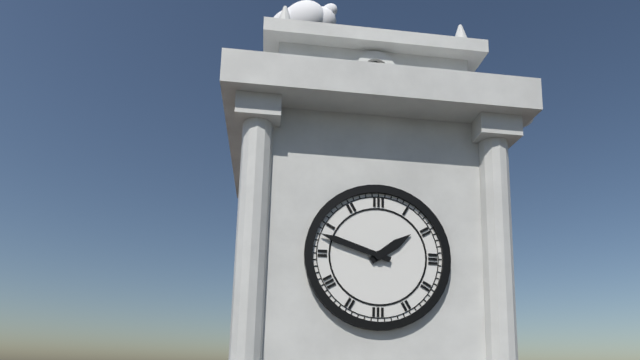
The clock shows 1.48
